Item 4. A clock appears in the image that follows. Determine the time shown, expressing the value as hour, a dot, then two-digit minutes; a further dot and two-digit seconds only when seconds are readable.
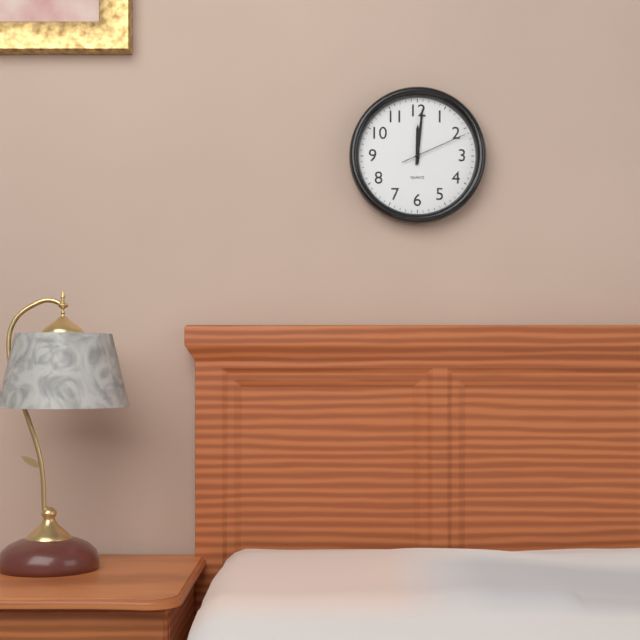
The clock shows 12.01.11
